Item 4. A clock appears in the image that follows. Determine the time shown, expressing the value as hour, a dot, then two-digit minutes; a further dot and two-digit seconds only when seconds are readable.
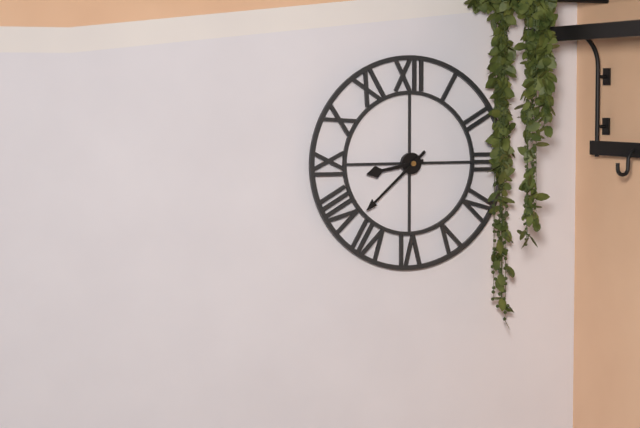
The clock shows 8.38
